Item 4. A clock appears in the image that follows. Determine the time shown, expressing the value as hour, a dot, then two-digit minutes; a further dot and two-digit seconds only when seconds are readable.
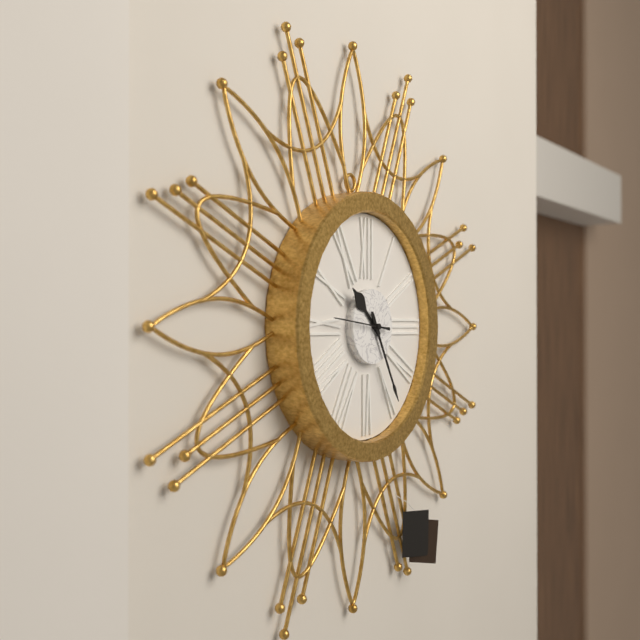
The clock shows 10.25.46
